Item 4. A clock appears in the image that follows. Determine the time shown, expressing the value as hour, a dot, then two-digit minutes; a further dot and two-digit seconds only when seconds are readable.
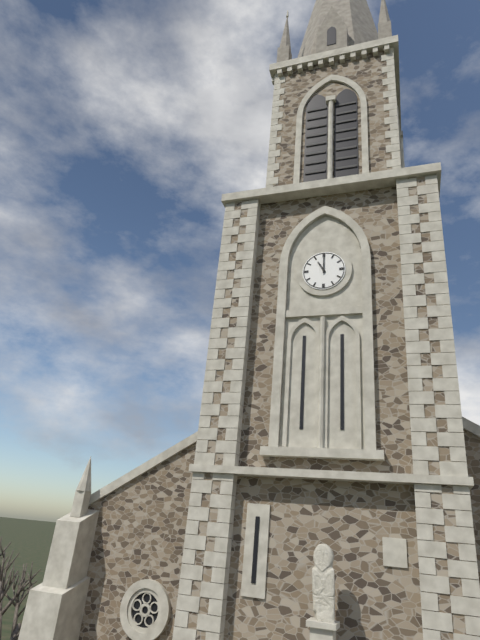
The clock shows 11.00
